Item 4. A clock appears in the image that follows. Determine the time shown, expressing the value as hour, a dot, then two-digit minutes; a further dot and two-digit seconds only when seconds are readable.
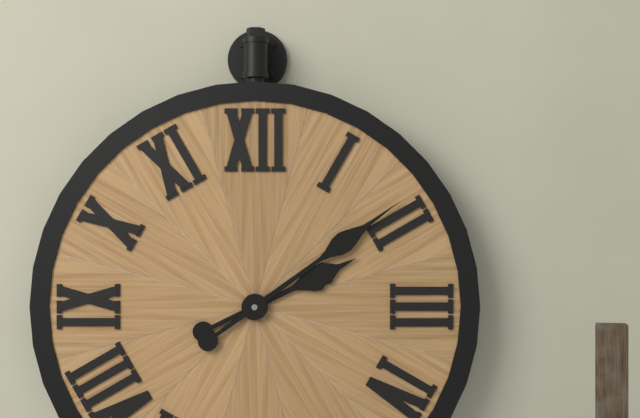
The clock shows 2.09
